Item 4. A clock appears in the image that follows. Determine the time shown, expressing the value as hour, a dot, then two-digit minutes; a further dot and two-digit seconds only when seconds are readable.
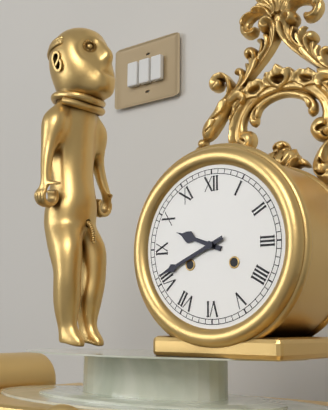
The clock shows 9.41
